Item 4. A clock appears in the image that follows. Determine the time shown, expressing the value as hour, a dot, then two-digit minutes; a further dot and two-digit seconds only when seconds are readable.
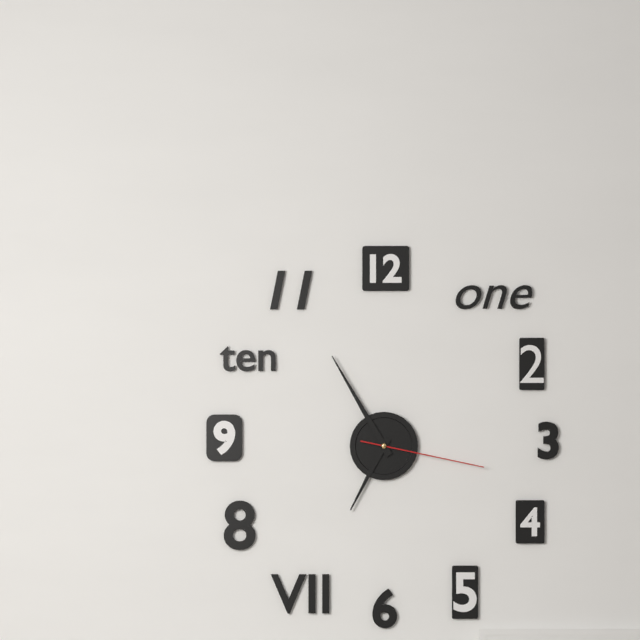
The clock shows 6.55.17
